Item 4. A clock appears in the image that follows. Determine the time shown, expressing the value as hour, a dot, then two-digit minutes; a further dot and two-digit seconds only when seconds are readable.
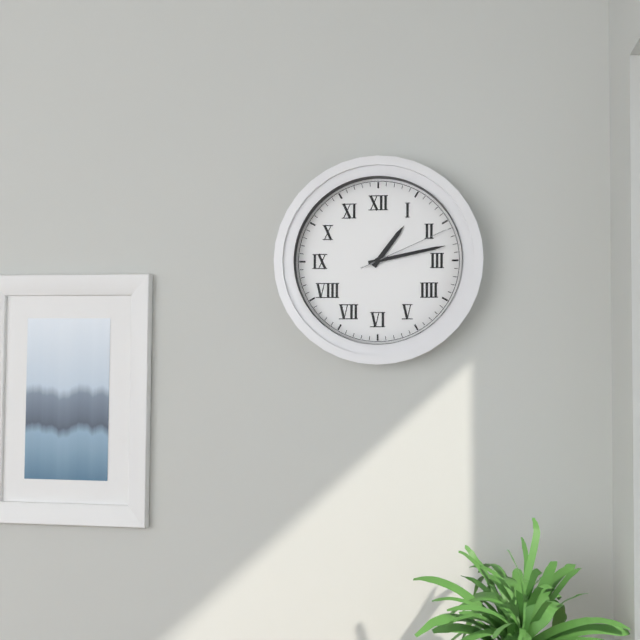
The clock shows 1.13.11
